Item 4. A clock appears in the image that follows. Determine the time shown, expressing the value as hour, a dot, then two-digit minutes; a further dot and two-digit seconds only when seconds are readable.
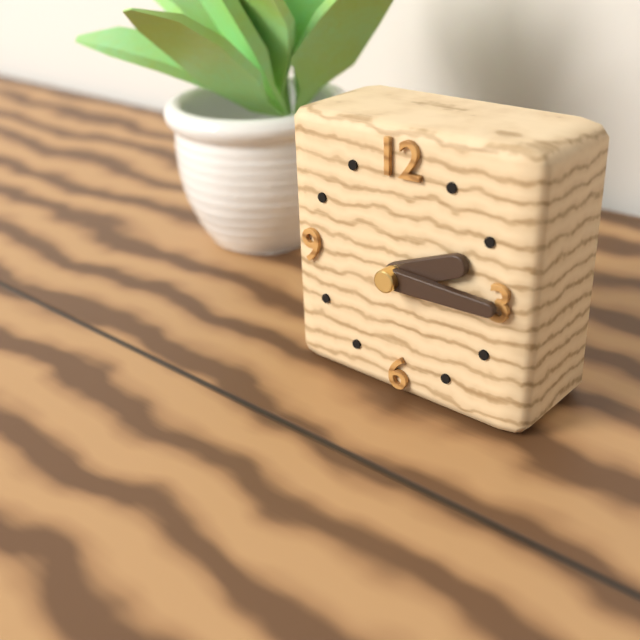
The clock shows 2.15
